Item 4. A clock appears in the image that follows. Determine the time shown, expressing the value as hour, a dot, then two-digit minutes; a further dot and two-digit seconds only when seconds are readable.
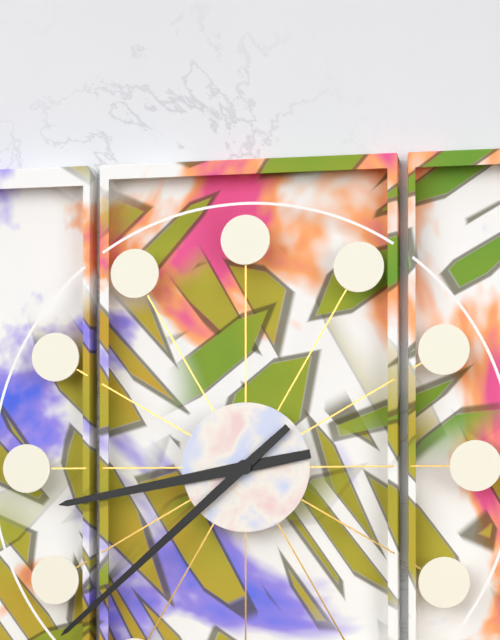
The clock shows 8.38
